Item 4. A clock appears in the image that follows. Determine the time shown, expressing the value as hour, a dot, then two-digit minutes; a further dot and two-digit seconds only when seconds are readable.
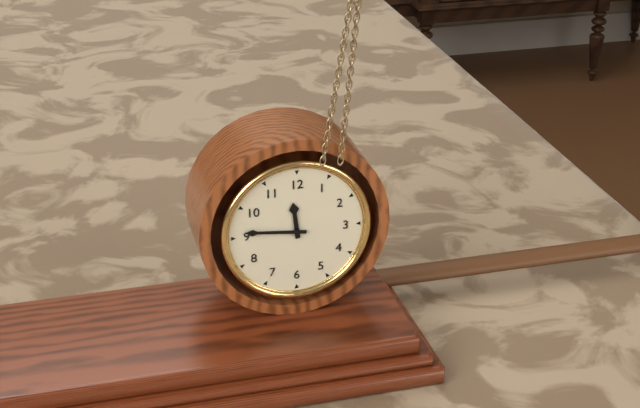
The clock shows 11.46
